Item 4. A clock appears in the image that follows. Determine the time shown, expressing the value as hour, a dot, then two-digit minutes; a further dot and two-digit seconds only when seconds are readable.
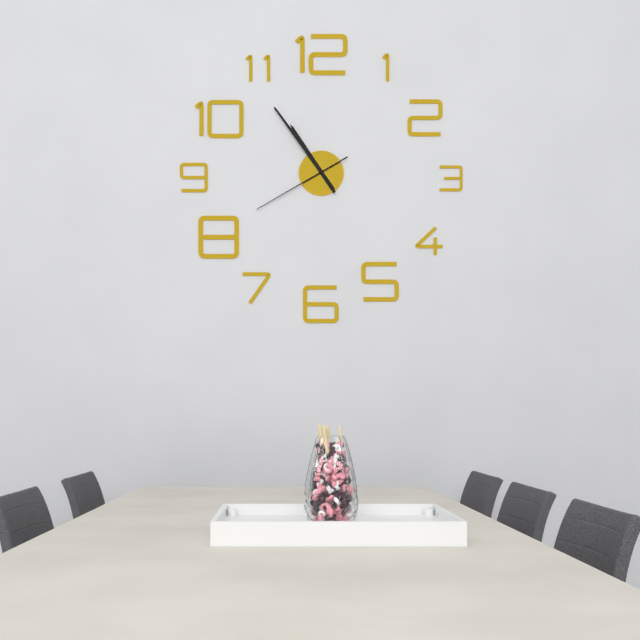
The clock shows 10.54.40
